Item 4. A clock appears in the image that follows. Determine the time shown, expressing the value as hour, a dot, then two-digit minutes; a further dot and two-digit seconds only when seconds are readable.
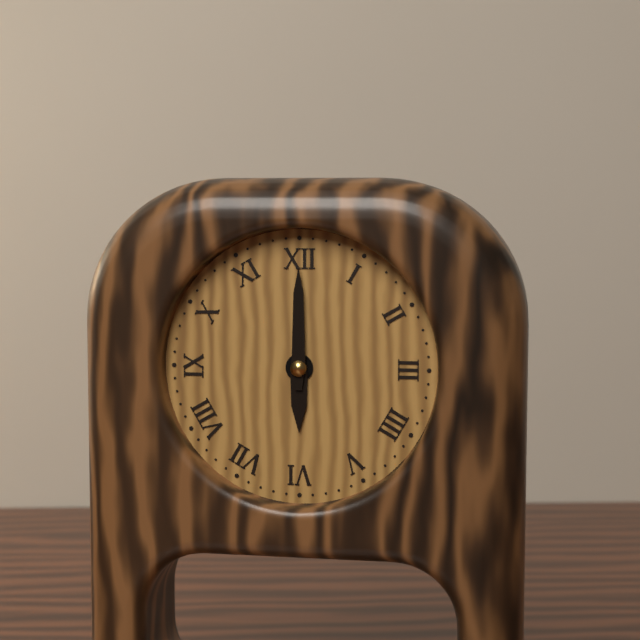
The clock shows 6.00
